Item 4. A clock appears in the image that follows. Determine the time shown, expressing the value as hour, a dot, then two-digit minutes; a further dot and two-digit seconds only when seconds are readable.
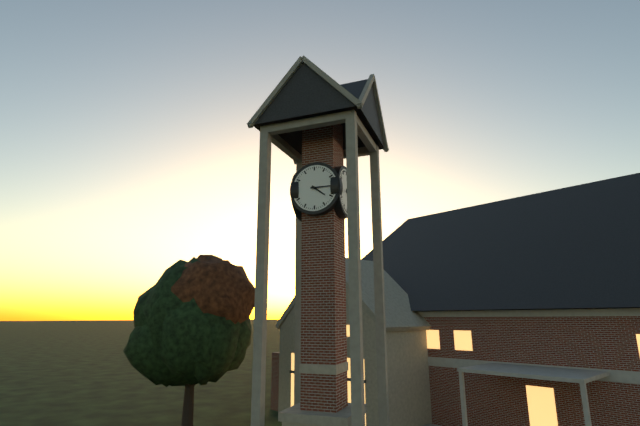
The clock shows 4.15
